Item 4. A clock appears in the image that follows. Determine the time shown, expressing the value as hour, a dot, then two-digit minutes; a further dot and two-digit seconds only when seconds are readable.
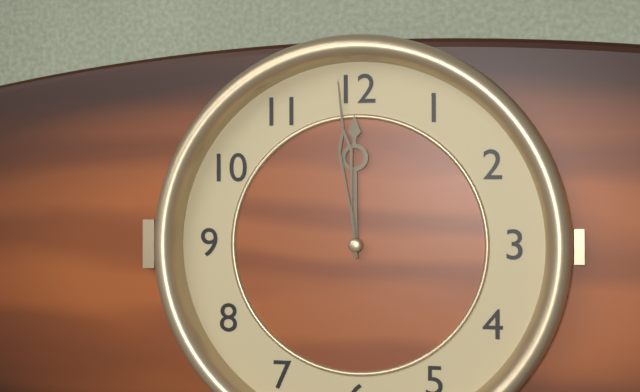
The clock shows 11.59
